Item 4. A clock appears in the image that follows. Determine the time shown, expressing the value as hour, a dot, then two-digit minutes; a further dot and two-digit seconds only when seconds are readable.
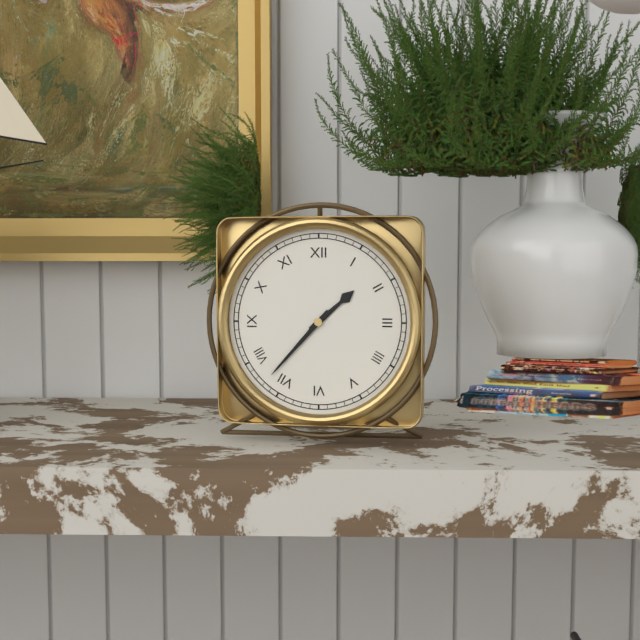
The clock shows 1.37
